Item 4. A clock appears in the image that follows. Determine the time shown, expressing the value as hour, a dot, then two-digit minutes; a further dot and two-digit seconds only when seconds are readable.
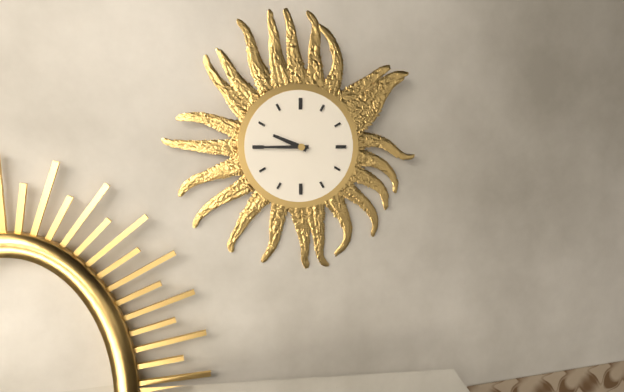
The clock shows 9.45
